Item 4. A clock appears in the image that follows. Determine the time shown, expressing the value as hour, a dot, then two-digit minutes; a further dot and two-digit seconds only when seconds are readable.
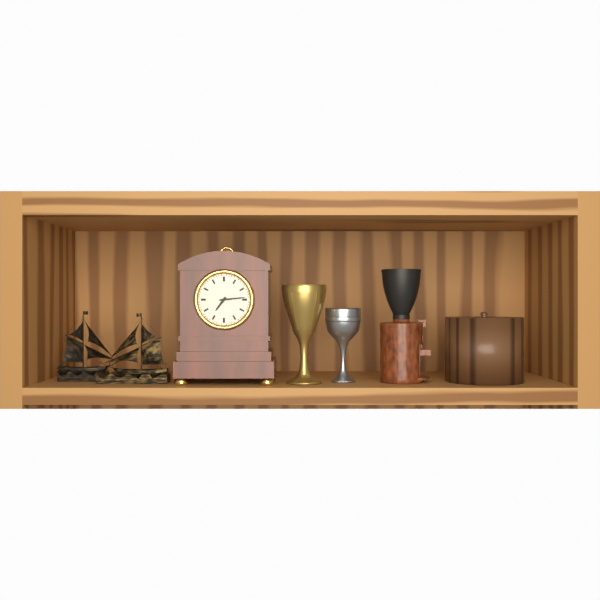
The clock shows 7.14
